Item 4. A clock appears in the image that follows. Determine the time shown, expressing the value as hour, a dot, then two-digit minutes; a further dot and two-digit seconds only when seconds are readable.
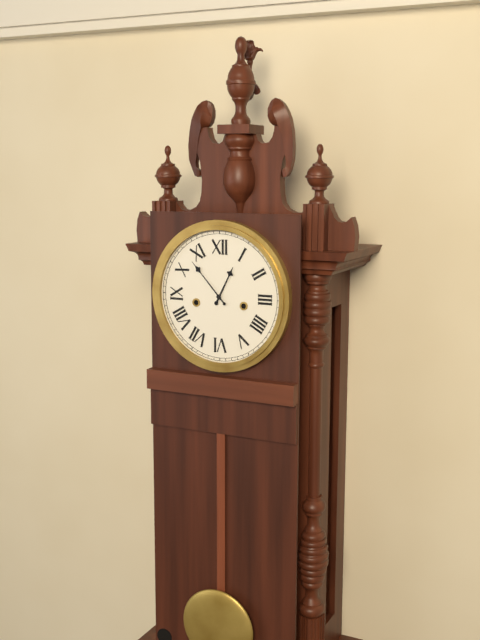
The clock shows 12.53
